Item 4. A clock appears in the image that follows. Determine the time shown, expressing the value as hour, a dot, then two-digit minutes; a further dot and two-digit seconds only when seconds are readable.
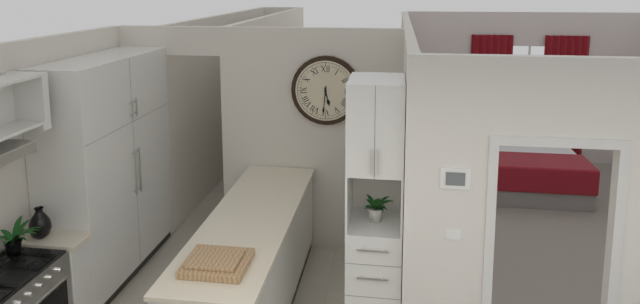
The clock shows 5.31
